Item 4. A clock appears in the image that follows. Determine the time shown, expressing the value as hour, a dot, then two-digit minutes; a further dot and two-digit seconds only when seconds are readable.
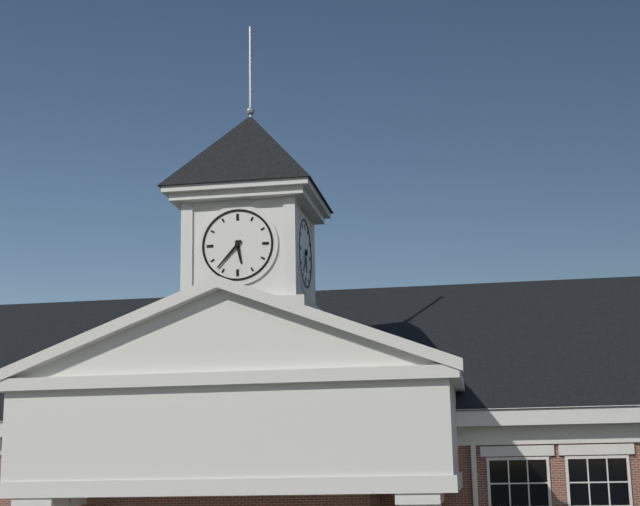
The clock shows 5.37
